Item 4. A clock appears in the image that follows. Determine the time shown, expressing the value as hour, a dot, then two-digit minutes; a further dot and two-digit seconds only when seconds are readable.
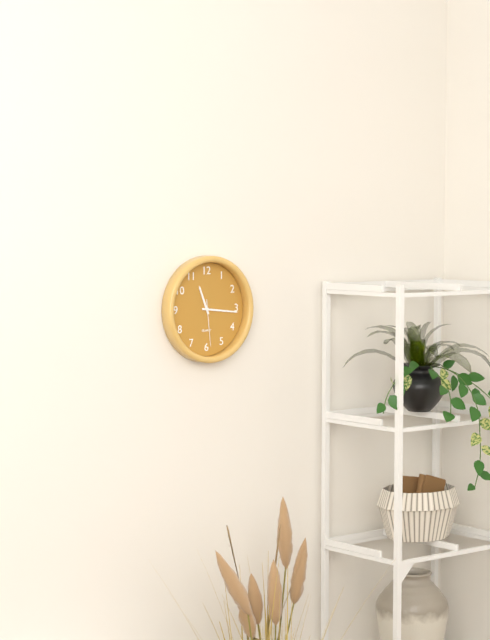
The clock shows 11.16
